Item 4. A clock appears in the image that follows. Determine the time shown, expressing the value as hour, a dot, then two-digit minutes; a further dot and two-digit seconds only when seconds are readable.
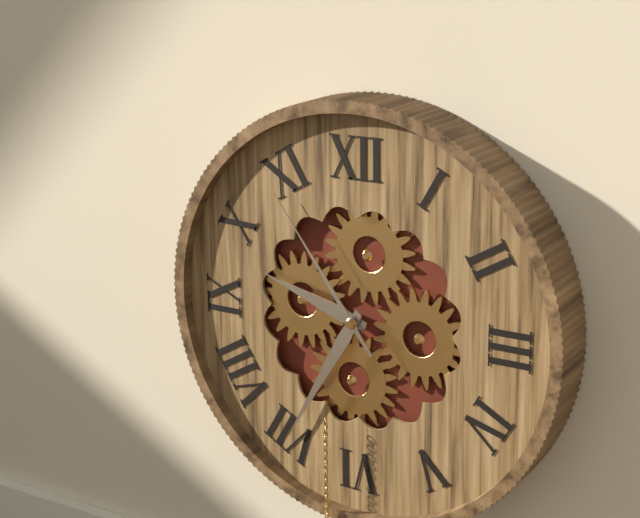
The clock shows 9.35.54
